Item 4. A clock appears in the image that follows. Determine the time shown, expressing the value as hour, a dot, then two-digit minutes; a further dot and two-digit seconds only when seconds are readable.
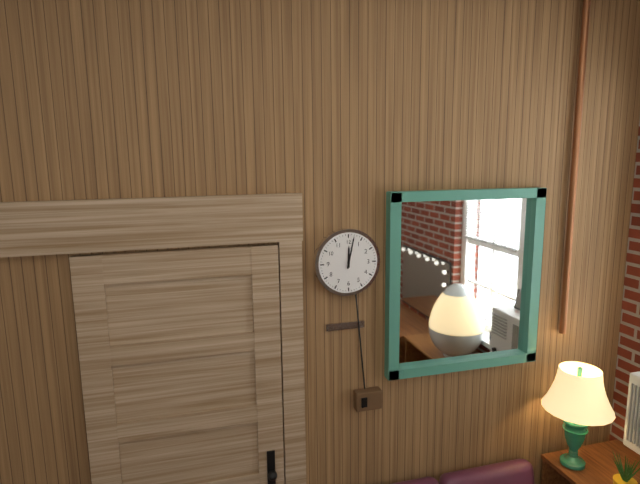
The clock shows 12.02
